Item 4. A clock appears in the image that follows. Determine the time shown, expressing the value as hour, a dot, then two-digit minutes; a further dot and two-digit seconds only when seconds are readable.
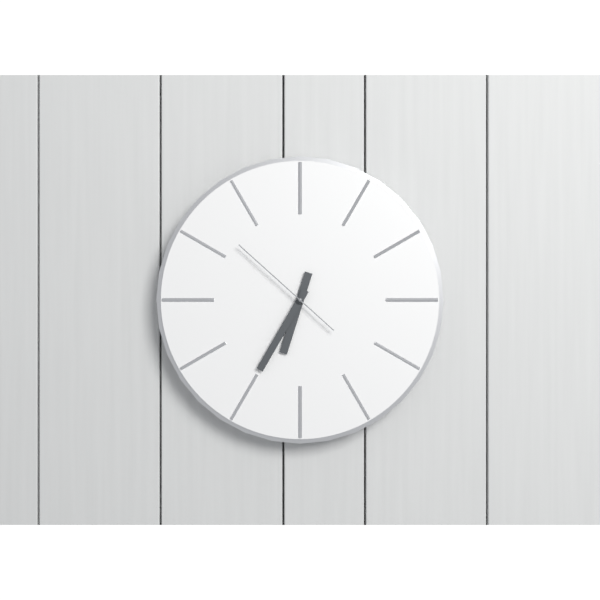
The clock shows 6.35.52
